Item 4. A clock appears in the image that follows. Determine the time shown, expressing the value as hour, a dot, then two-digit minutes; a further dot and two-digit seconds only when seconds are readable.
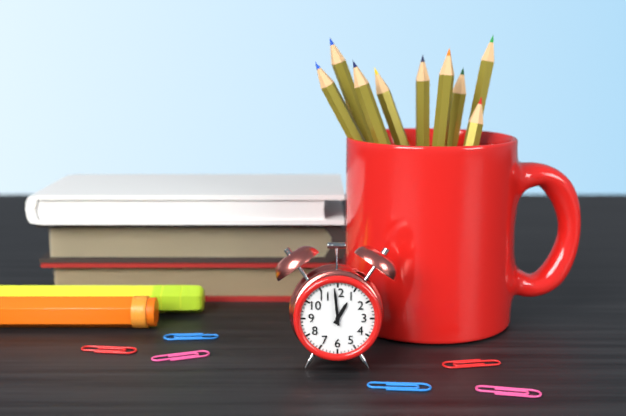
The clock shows 12.59
